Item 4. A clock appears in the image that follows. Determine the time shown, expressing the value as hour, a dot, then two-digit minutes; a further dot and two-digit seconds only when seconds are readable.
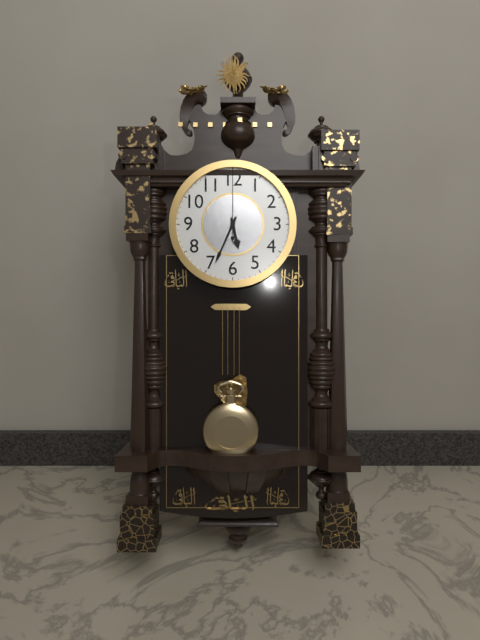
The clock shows 5.34.00
